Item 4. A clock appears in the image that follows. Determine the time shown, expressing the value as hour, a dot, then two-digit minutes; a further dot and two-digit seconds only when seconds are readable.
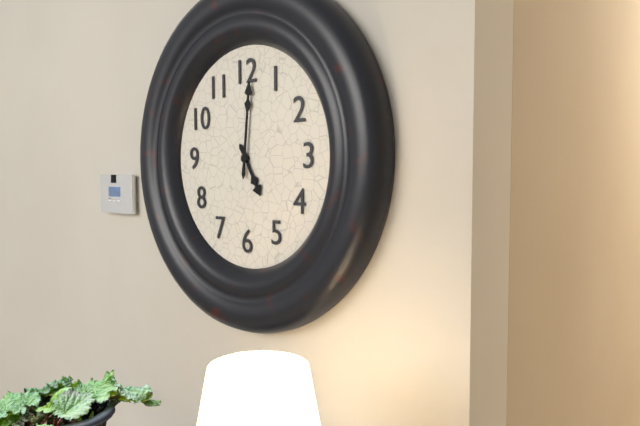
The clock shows 5.01
